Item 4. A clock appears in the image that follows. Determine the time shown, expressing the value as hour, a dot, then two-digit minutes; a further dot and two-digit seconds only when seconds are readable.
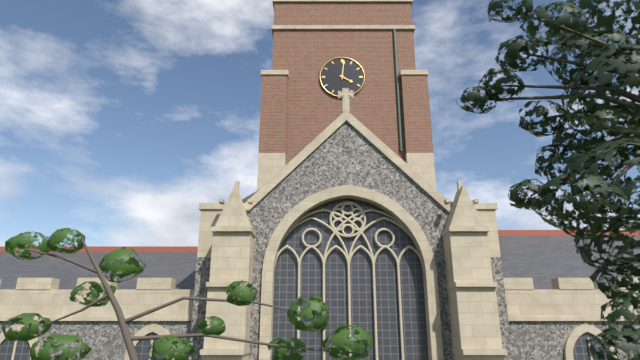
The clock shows 4.01
